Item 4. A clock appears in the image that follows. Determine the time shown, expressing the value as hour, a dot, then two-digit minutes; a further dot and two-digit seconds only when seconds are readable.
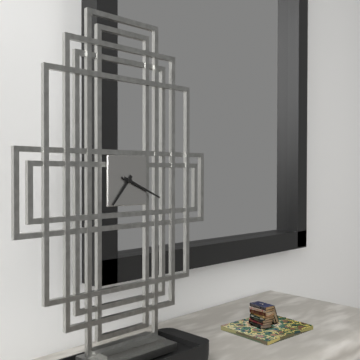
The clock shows 7.19
